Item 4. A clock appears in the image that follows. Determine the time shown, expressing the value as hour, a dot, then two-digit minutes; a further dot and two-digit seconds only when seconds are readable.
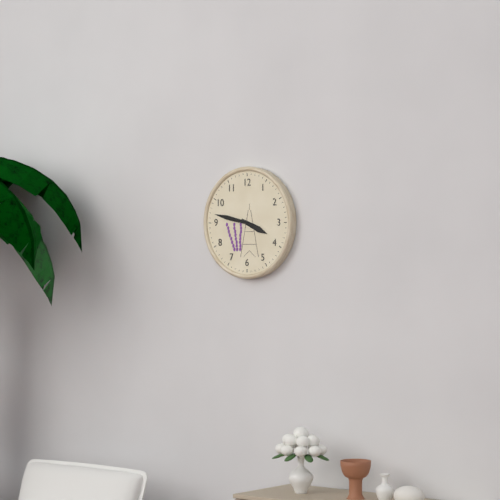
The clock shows 3.47
